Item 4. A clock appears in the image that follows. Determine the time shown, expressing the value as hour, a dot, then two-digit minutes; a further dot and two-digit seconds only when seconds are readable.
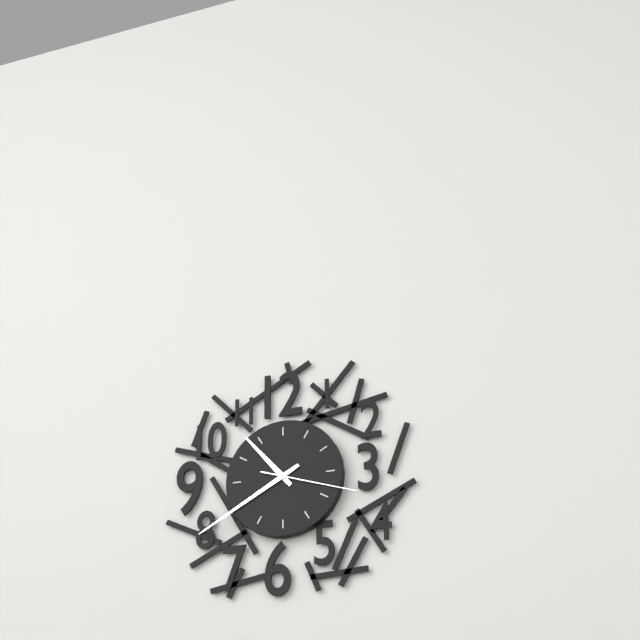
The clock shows 10.40.18
